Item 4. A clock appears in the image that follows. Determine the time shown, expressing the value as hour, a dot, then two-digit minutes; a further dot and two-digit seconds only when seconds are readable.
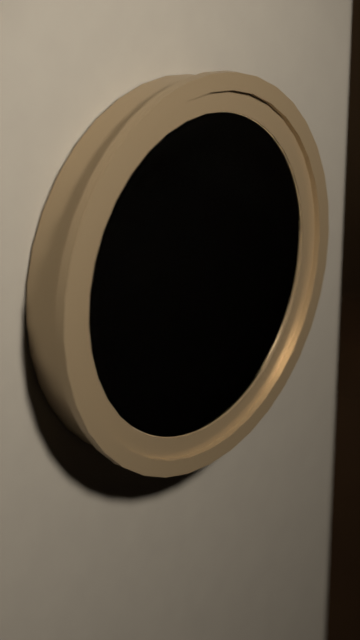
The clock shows 7.40.18
